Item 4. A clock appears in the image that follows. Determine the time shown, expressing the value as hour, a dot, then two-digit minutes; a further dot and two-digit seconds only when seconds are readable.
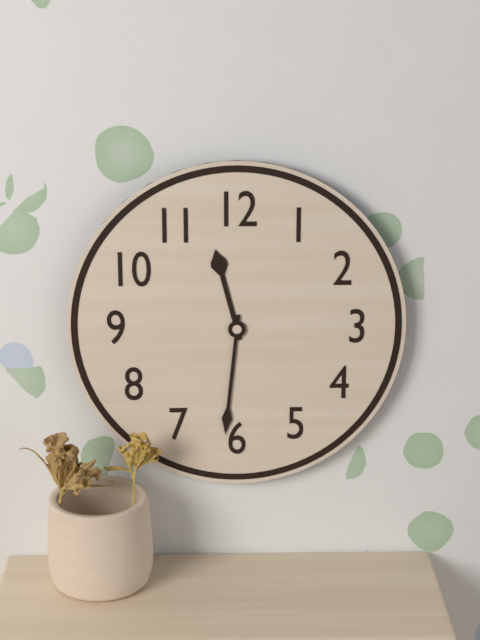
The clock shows 11.31
